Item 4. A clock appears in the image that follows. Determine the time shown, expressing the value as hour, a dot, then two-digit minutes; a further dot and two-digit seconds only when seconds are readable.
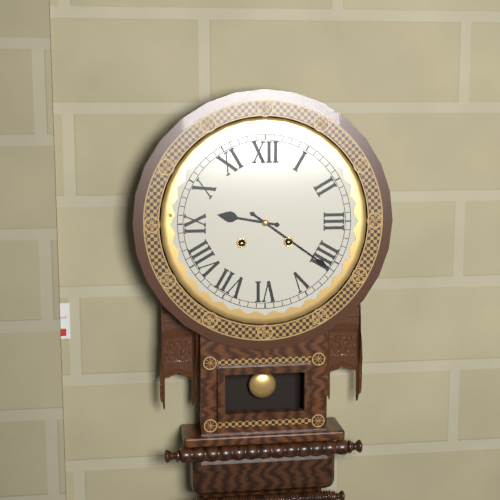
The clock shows 9.21
